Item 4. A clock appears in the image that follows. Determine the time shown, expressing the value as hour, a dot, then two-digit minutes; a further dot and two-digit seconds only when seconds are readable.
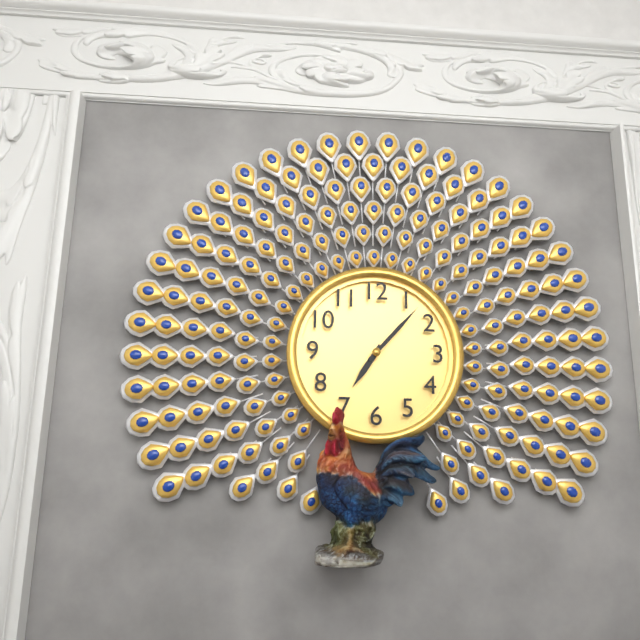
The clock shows 7.07
